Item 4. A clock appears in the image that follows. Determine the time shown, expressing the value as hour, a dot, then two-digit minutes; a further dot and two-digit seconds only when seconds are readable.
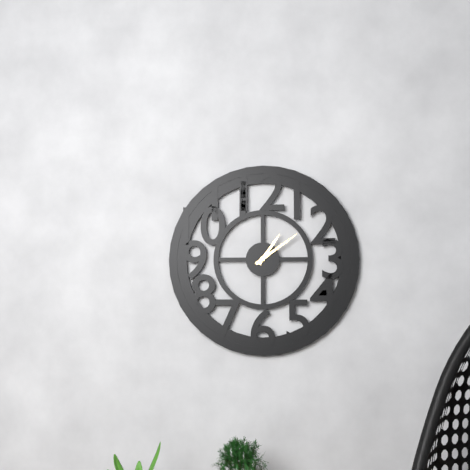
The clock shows 1.09
